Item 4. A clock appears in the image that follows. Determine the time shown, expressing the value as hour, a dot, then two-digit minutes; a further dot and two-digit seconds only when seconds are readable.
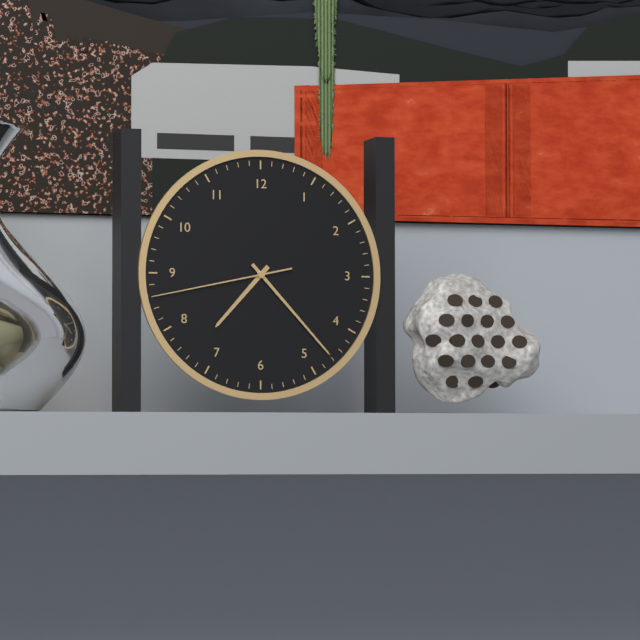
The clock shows 7.23.43
